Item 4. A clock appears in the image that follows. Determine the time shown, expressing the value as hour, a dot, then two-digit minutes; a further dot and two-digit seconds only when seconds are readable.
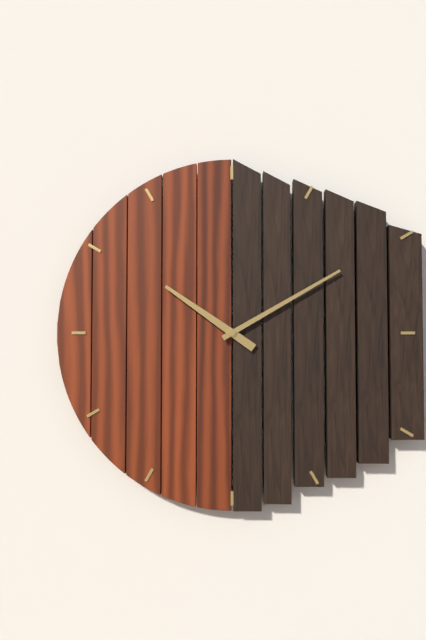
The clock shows 10.10
